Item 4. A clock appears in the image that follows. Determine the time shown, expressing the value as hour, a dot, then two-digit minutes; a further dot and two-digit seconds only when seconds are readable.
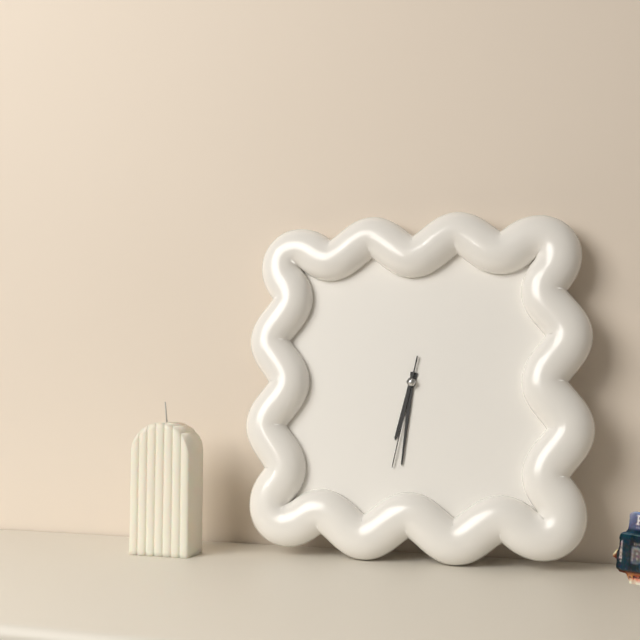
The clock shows 6.31.32
